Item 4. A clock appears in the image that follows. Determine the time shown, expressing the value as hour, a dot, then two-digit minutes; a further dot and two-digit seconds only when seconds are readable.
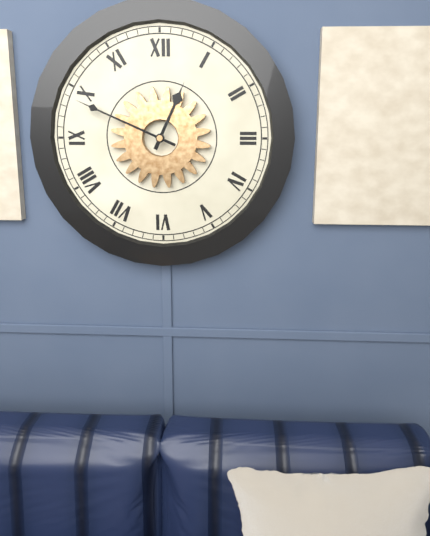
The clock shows 12.49
